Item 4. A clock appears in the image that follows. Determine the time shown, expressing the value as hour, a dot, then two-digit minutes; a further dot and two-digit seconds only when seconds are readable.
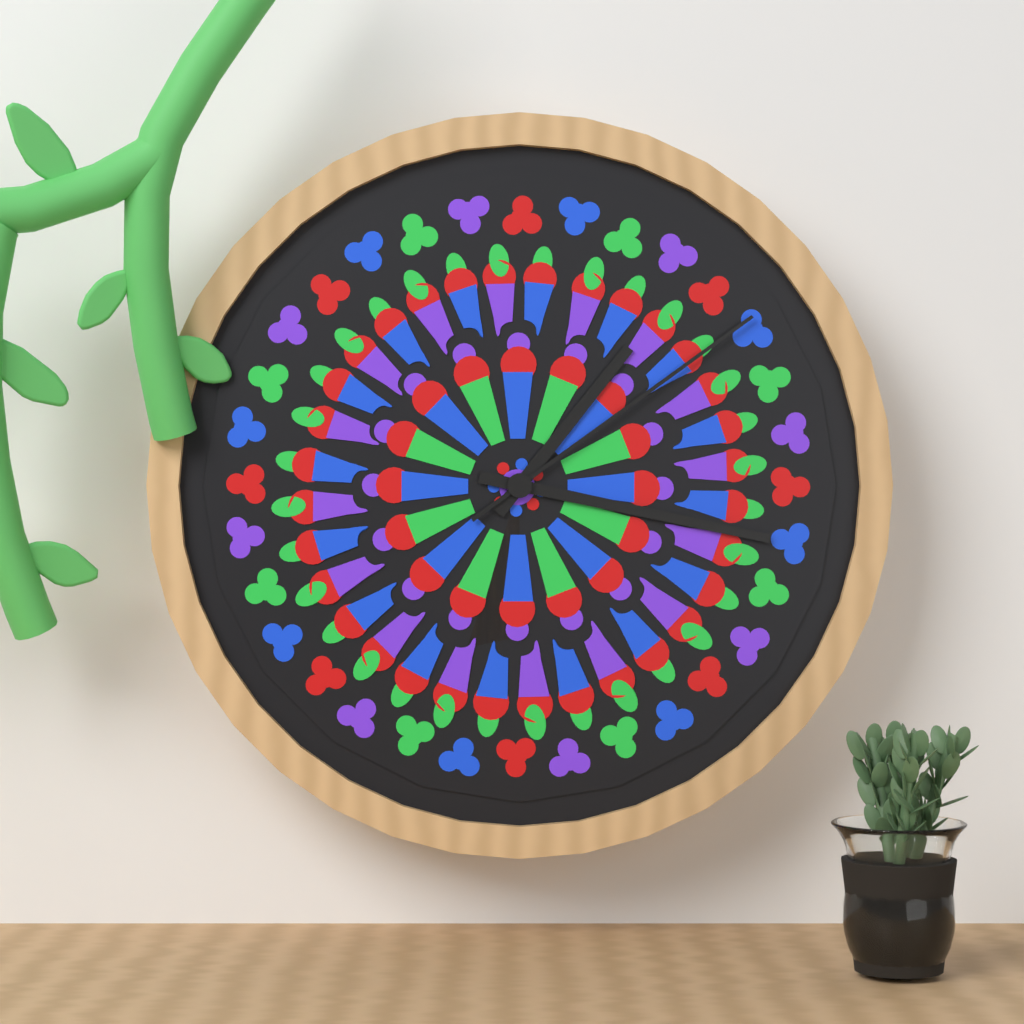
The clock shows 1.17.09
